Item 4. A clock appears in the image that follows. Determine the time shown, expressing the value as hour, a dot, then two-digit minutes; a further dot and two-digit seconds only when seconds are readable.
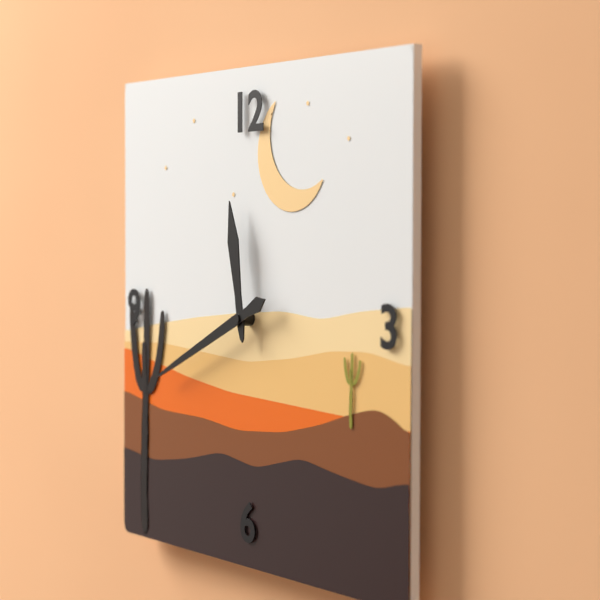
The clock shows 11.41
